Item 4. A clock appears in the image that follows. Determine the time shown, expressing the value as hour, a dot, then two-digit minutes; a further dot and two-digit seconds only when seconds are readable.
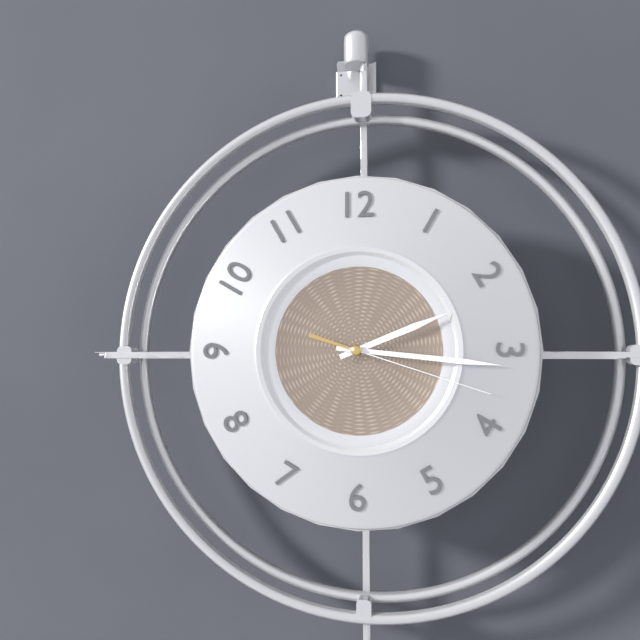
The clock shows 2.16.18
